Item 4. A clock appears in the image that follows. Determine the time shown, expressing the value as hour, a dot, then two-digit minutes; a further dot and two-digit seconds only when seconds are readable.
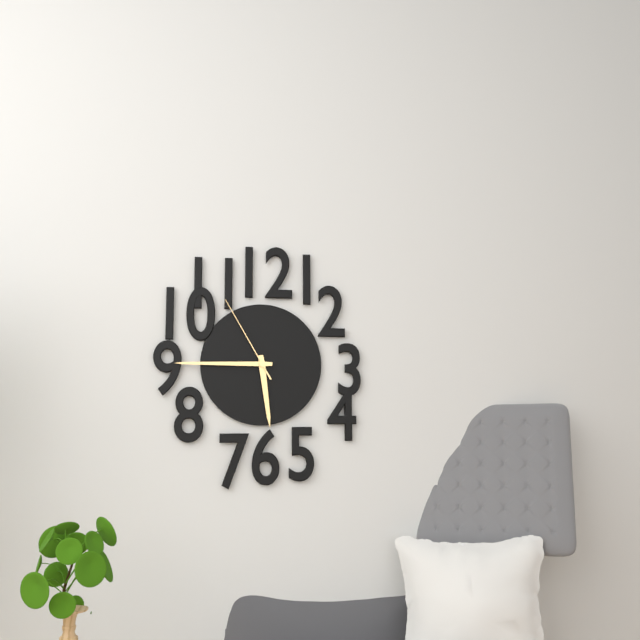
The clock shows 5.45.55
